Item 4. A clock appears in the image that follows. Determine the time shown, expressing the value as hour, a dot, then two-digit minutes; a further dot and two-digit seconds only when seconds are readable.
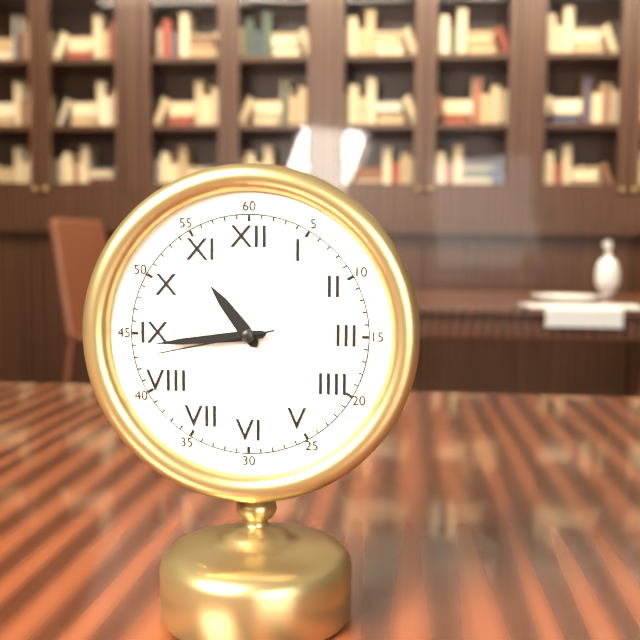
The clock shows 10.44.43
